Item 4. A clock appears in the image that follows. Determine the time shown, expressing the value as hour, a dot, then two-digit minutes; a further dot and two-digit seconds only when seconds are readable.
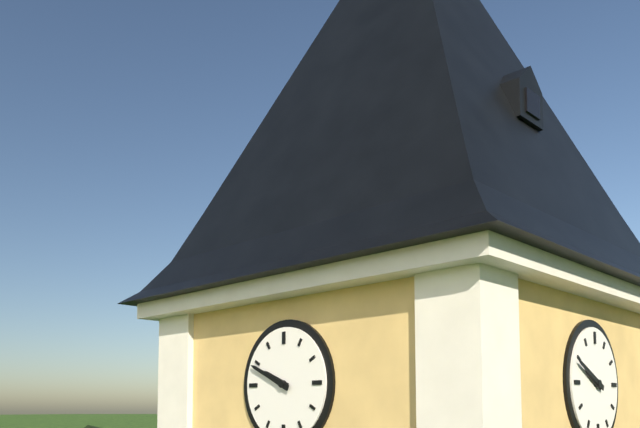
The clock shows 9.49
